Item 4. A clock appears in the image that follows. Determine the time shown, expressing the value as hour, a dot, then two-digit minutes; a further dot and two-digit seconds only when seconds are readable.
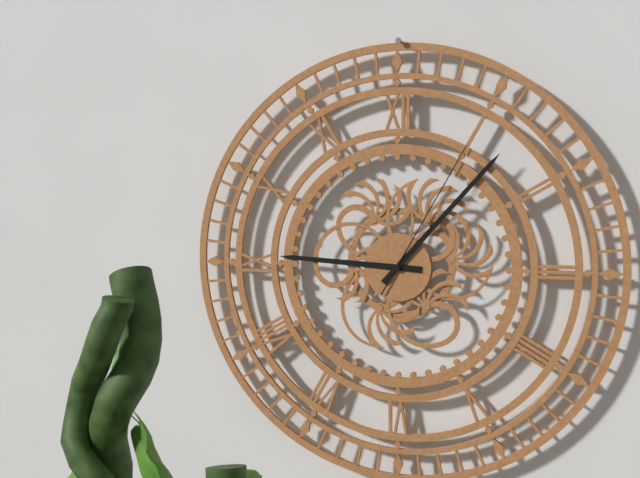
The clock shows 9.07.05
